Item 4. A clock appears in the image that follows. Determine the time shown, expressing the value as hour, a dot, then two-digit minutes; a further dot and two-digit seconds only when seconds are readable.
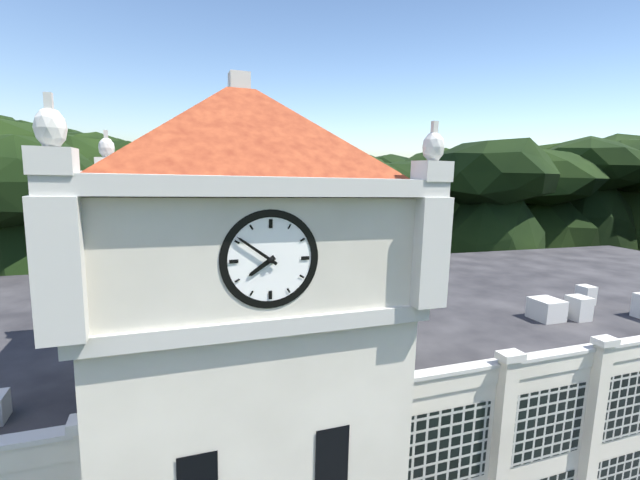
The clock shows 7.51
